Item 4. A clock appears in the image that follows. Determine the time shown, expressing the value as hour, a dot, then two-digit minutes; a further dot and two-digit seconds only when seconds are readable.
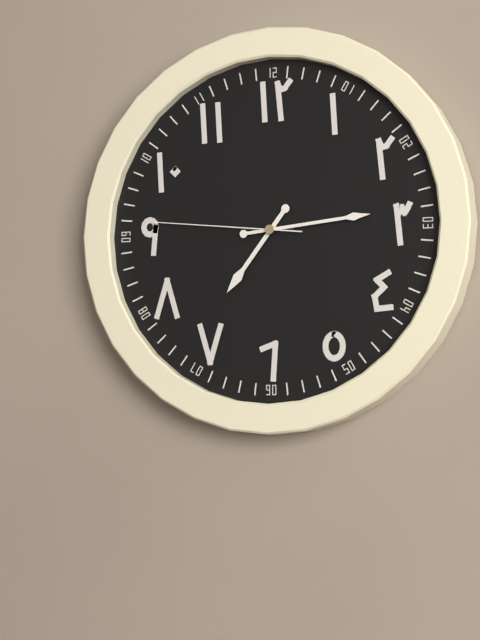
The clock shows 7.14.46
